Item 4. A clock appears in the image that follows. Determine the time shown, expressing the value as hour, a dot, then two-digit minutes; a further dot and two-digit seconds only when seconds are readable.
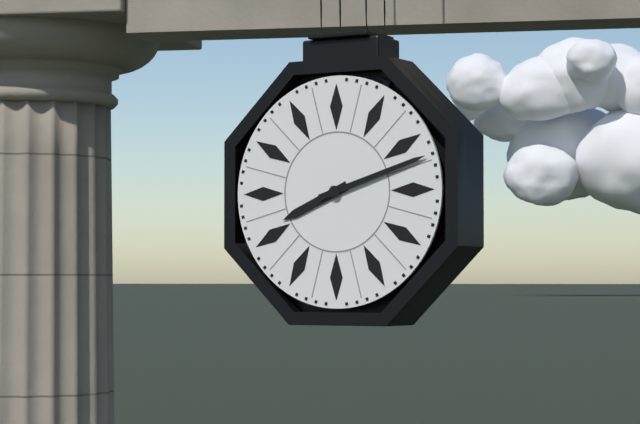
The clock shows 8.12
